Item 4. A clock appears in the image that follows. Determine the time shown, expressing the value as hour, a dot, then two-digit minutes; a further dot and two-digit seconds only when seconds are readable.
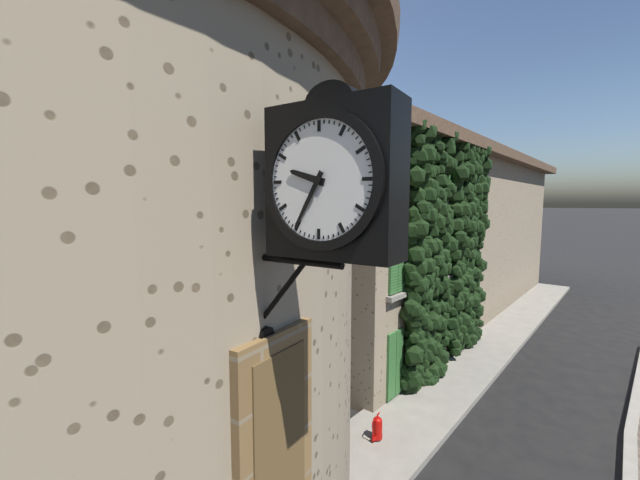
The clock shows 9.35
